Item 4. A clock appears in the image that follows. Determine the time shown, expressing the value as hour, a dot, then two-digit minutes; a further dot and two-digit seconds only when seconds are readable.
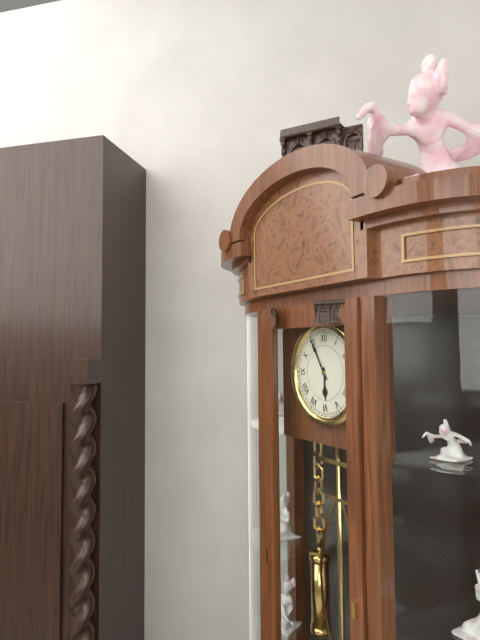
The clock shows 5.55
